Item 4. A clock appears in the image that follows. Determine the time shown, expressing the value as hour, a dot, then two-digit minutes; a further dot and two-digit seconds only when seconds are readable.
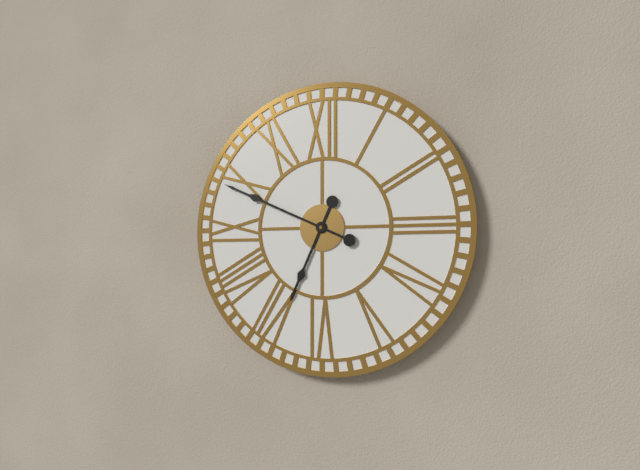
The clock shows 6.49
